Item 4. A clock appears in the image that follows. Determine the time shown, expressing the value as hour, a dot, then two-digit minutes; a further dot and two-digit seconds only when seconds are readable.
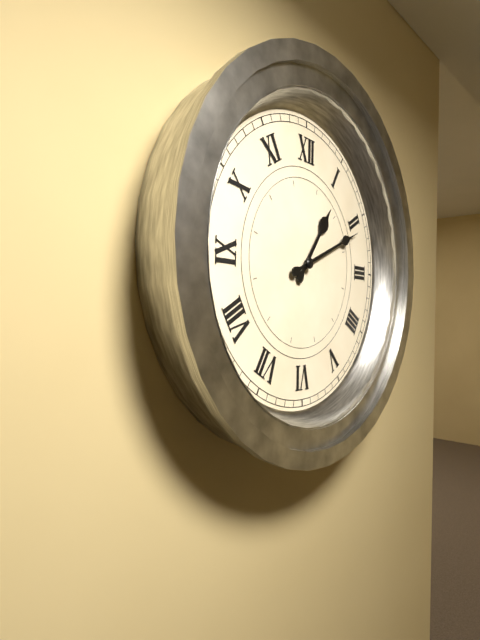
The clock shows 1.11
